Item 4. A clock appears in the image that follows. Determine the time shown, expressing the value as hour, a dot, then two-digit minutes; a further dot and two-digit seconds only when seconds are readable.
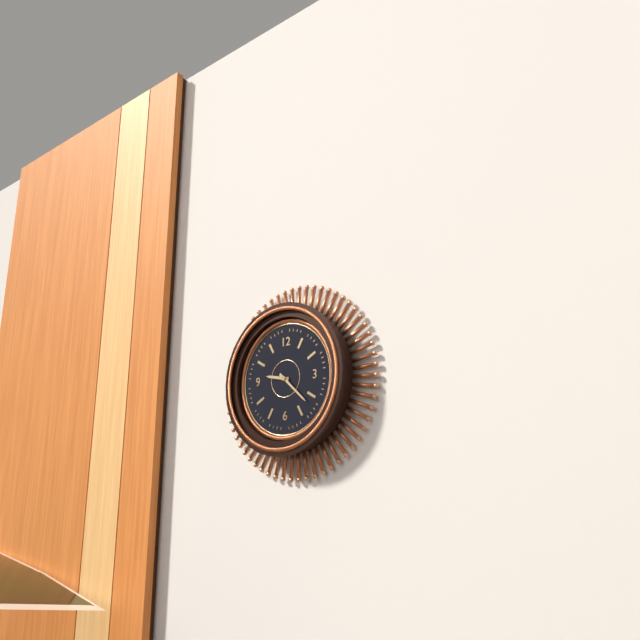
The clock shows 9.22
